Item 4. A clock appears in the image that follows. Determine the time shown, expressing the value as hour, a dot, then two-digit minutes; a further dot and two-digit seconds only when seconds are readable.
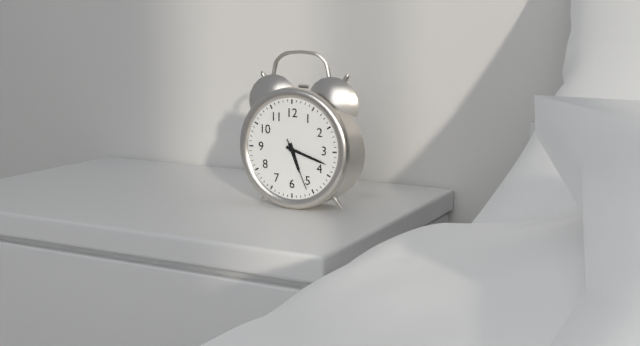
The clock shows 5.18.26
